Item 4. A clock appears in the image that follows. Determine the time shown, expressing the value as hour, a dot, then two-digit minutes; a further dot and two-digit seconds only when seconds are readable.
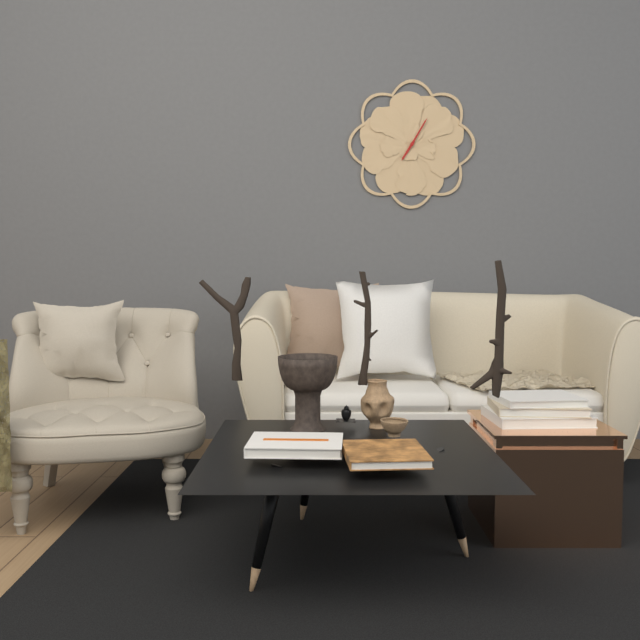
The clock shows 7.05
